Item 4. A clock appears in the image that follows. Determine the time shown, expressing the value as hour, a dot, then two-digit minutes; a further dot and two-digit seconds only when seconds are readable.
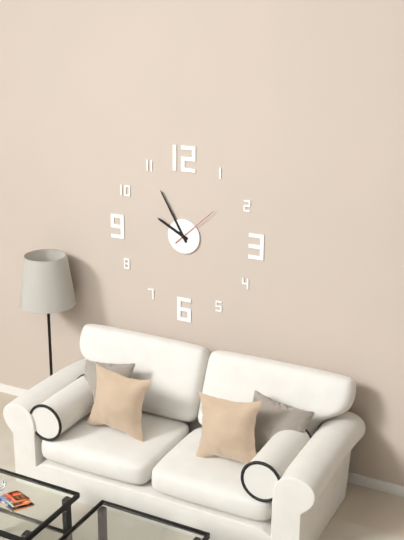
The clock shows 9.55
